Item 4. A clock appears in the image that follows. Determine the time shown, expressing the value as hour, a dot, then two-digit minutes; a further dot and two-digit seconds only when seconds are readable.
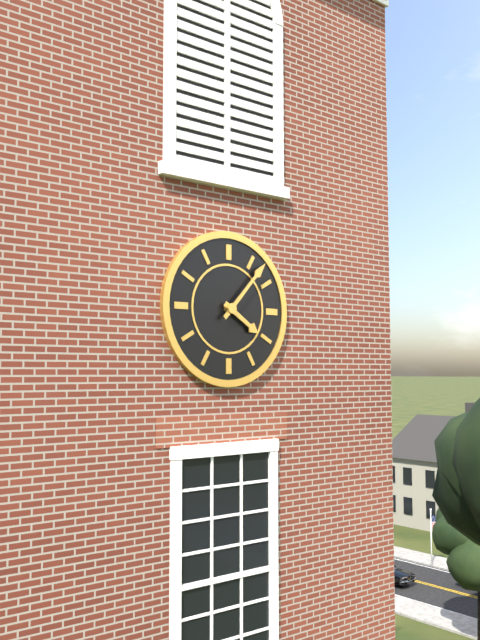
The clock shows 4.07
